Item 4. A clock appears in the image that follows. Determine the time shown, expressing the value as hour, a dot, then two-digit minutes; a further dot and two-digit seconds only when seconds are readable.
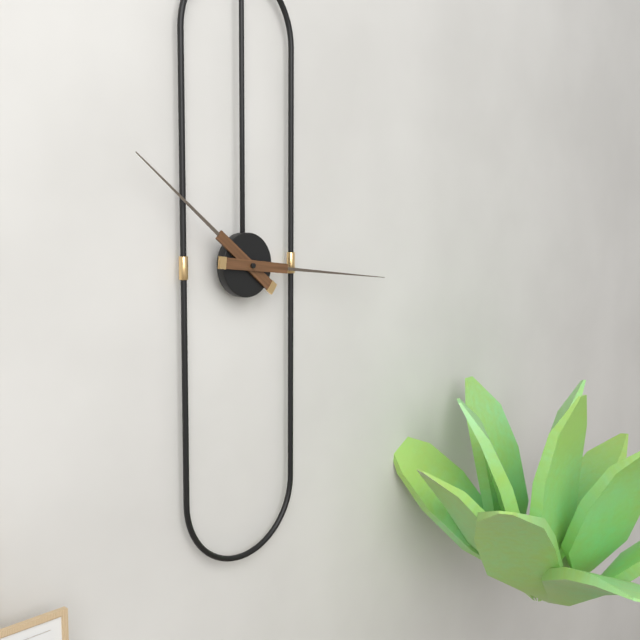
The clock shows 10.16
